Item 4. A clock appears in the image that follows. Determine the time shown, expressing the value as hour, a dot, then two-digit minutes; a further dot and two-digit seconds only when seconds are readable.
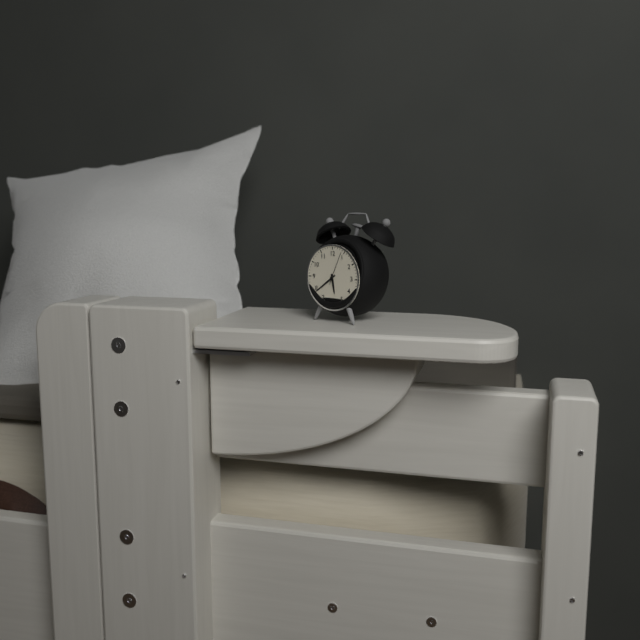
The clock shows 5.39
